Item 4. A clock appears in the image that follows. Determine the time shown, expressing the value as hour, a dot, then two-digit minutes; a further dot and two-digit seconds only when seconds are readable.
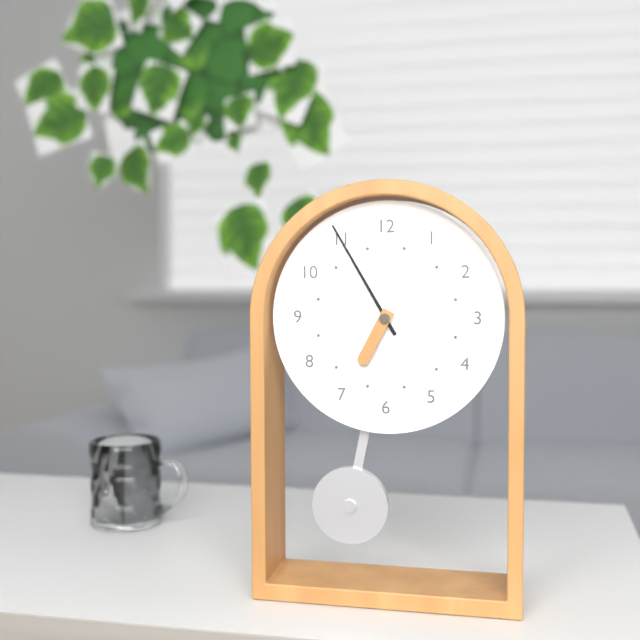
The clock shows 6.55
